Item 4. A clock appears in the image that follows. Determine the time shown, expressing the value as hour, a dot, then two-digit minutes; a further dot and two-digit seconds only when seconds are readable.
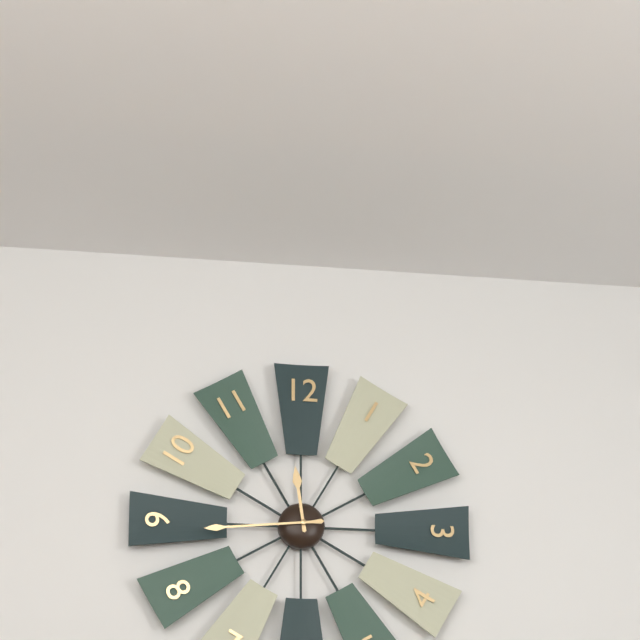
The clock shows 11.44
